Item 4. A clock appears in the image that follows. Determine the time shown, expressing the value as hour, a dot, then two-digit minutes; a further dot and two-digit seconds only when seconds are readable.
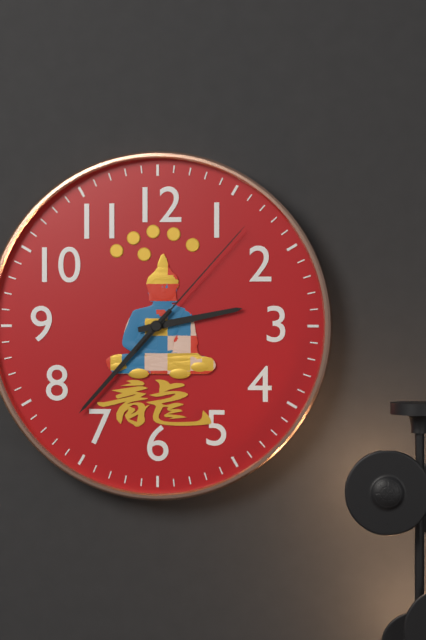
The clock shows 2.37.07
